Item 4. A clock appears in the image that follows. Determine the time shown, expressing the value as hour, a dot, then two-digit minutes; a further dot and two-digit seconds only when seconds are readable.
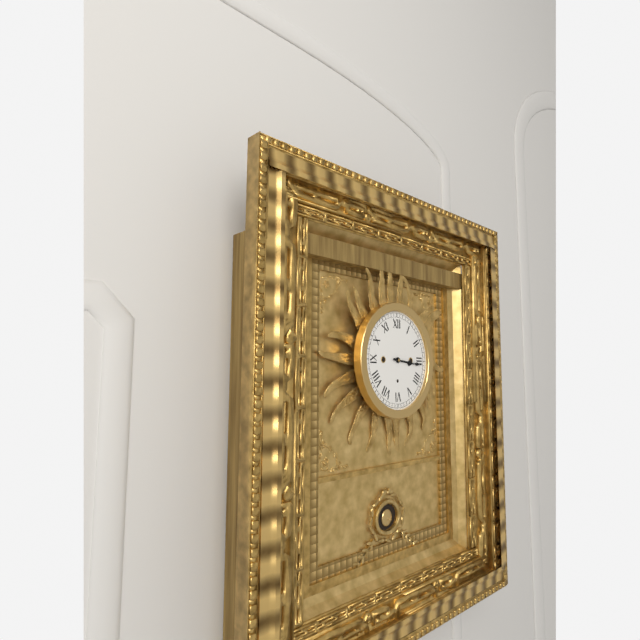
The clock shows 3.16
